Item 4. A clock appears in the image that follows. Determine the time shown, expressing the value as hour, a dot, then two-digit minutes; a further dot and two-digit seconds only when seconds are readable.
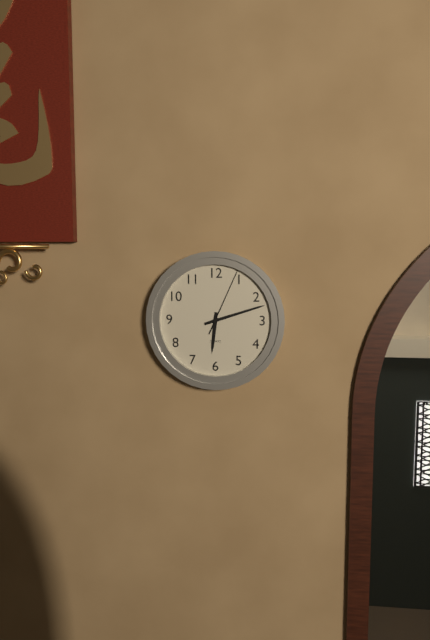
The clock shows 6.12.04
